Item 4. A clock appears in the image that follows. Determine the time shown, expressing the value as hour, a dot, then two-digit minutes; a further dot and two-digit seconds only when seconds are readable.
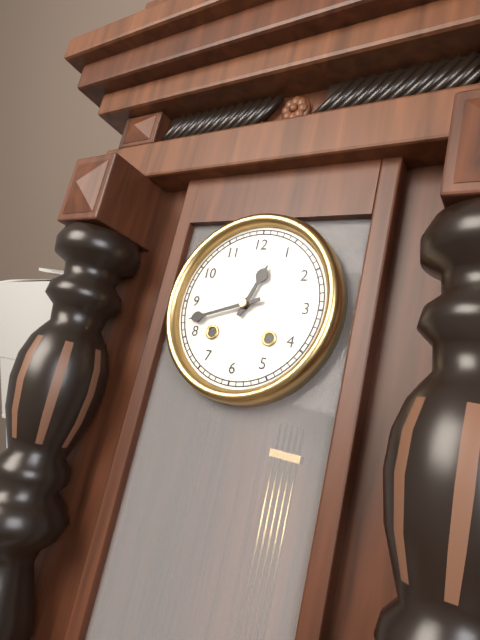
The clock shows 12.42
